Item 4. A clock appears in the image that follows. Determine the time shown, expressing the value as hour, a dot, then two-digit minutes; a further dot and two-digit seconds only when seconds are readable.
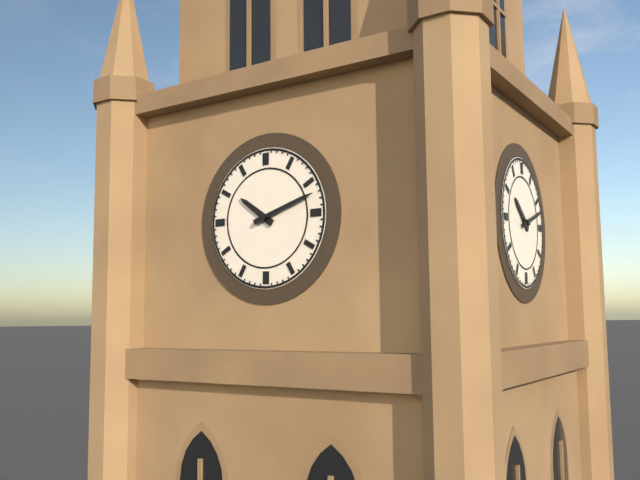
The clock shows 10.12
